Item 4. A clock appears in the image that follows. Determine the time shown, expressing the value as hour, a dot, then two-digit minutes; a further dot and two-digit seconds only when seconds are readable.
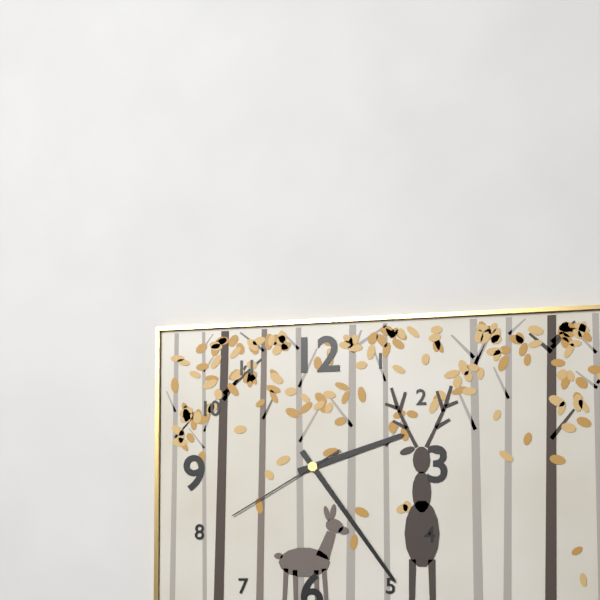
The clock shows 2.24.40
